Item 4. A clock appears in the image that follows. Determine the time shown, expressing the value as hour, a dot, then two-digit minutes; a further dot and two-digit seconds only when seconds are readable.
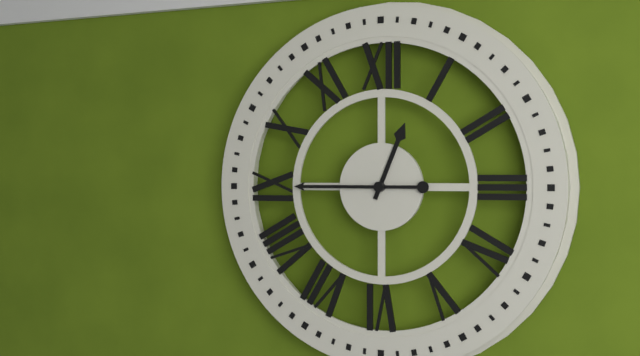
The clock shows 12.45
